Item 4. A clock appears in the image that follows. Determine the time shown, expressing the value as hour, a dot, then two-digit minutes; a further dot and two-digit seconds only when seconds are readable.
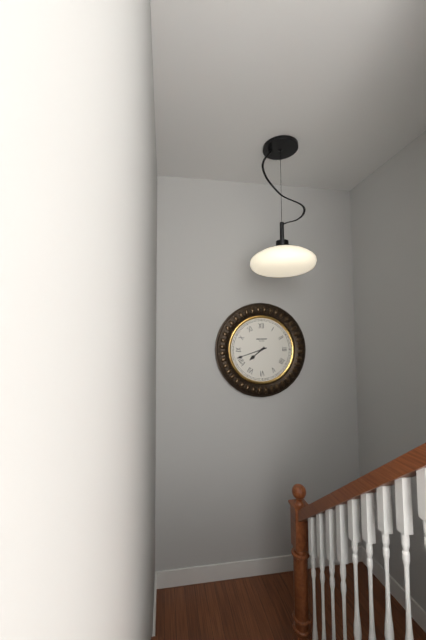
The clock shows 7.42
